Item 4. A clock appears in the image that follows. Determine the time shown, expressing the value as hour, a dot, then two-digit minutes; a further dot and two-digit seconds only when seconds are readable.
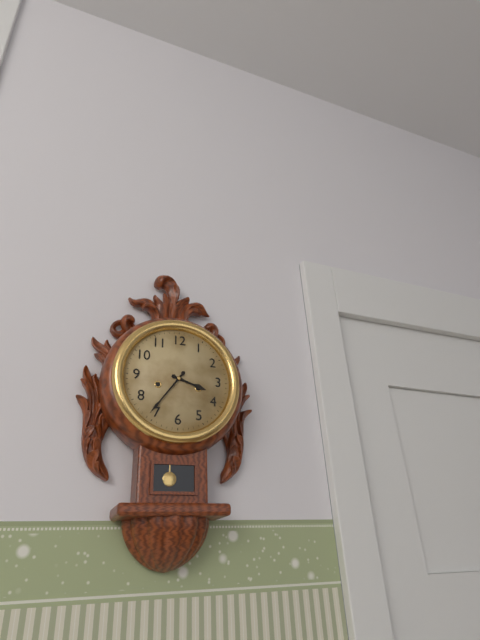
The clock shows 3.36
